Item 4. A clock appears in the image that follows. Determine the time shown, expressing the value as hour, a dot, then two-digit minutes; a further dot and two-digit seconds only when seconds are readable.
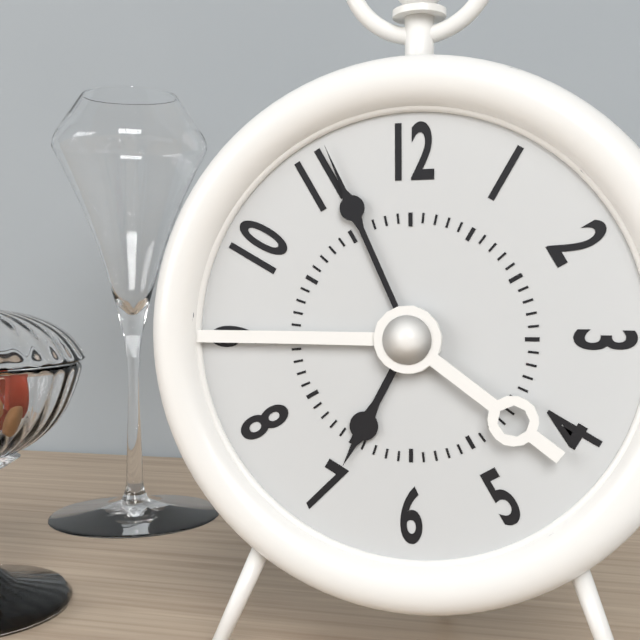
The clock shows 6.56
